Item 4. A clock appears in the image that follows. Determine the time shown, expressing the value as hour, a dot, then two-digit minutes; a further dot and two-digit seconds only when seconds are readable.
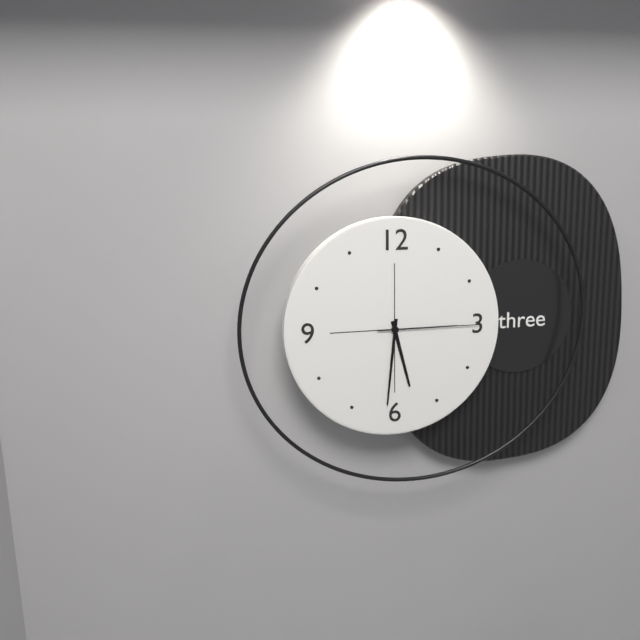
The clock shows 5.31.15
